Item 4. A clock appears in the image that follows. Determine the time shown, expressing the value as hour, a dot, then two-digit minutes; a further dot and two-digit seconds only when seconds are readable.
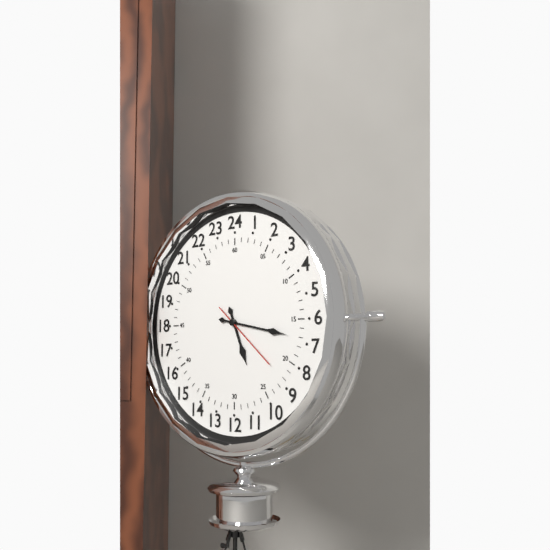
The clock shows 5.17.22
